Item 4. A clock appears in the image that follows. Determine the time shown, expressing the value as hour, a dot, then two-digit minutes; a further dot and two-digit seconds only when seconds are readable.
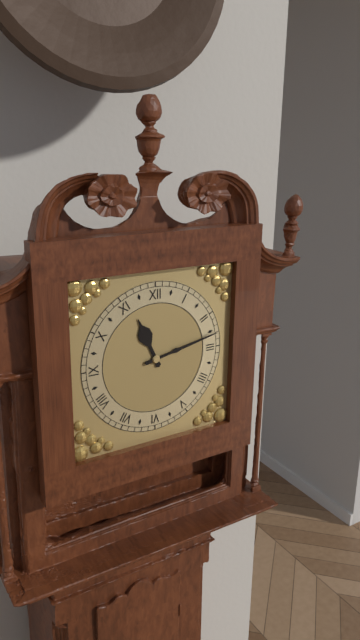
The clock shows 11.13
